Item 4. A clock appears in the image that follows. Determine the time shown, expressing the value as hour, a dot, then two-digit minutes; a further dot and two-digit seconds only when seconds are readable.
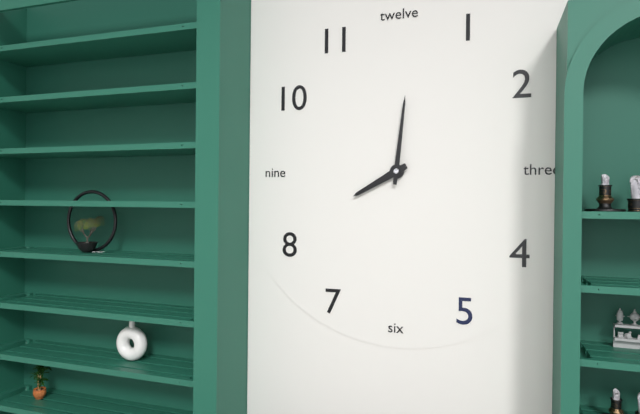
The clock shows 8.01
